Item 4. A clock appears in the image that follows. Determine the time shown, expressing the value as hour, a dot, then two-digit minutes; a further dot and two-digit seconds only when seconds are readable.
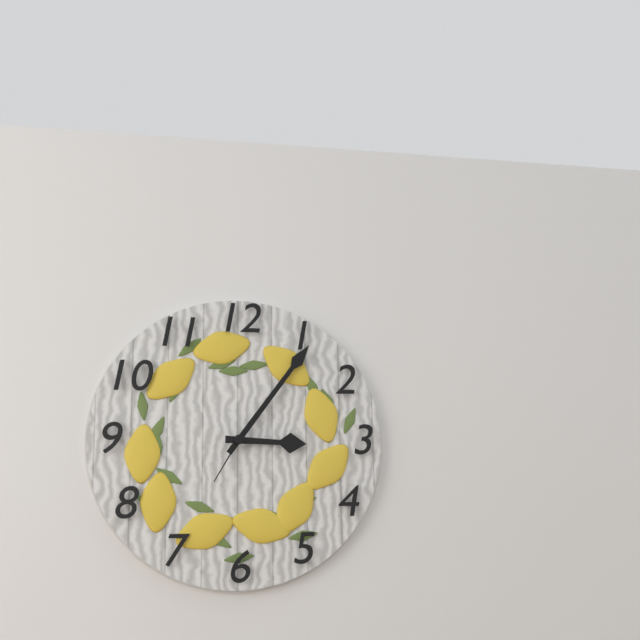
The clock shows 3.06.35
